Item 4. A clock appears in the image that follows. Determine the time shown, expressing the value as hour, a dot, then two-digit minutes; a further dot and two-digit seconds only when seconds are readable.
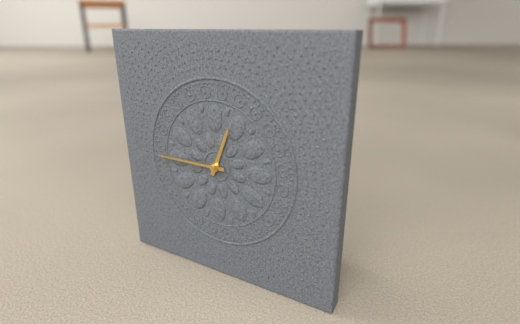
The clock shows 12.45
